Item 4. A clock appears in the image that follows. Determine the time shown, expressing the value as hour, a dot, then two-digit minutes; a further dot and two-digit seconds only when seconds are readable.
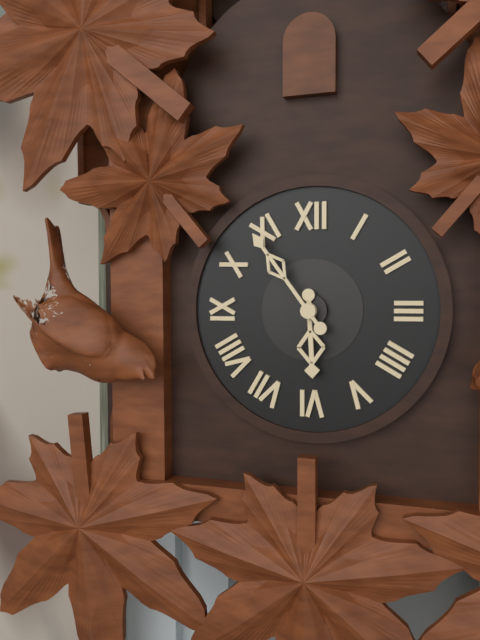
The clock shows 5.54
